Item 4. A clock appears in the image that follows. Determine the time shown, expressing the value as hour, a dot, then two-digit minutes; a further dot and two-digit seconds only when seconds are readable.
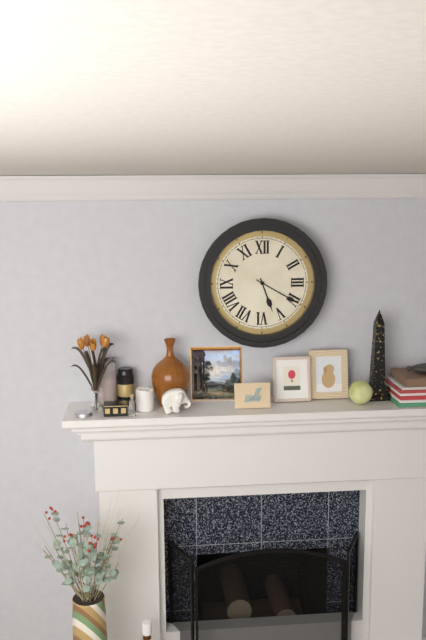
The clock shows 5.20
